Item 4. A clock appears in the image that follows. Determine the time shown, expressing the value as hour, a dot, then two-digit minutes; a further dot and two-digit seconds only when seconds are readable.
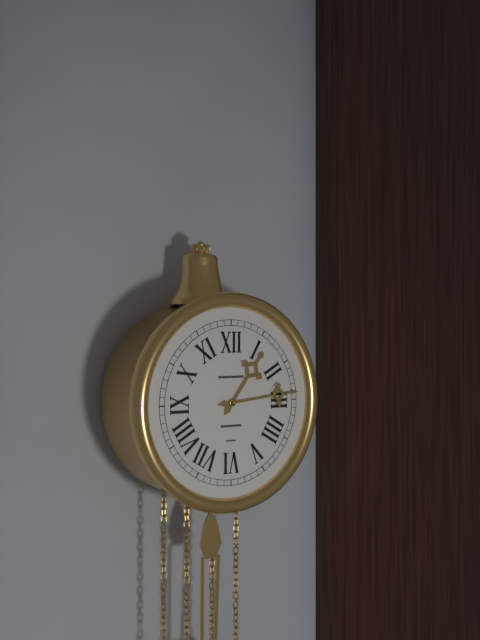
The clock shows 1.14
